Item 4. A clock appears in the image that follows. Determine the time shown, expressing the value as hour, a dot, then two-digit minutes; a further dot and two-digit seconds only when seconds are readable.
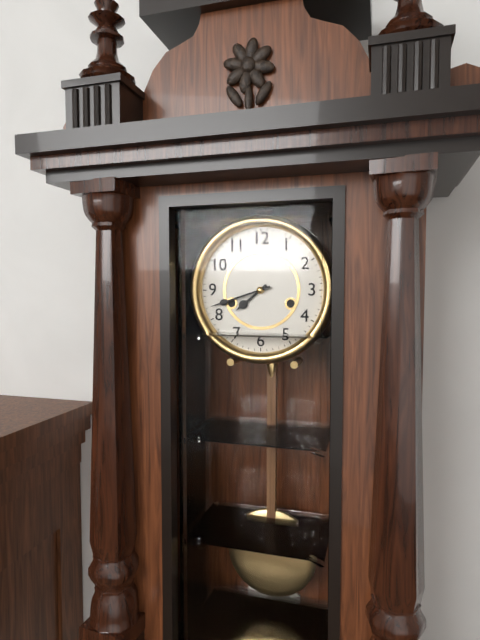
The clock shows 7.42
